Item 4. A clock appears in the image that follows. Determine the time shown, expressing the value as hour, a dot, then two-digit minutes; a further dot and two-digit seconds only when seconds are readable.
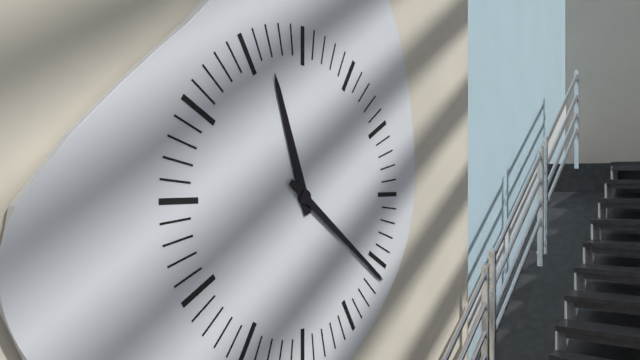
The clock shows 11.21
